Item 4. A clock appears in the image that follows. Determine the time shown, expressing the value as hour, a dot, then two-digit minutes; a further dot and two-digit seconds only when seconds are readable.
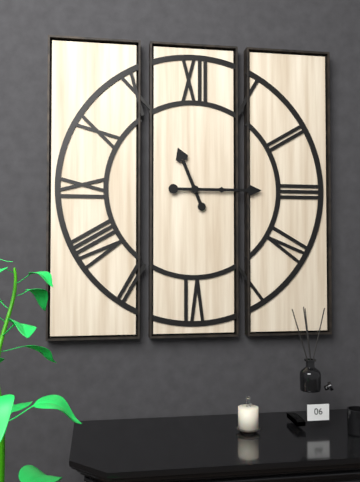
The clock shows 11.15
